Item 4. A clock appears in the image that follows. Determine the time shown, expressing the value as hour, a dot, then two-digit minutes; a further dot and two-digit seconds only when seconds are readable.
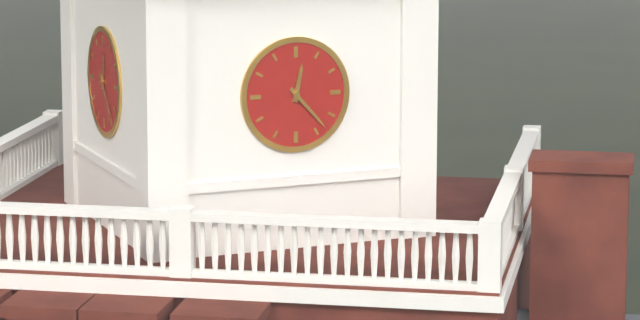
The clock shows 12.23
